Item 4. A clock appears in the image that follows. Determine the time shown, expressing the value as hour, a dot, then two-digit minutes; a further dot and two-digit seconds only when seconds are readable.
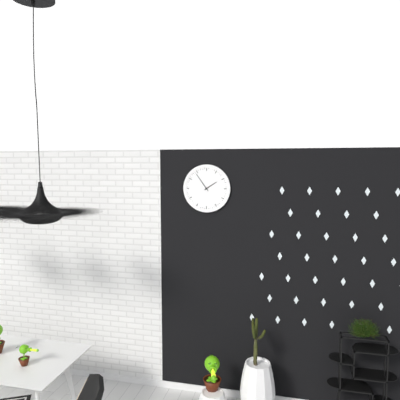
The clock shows 1.54
